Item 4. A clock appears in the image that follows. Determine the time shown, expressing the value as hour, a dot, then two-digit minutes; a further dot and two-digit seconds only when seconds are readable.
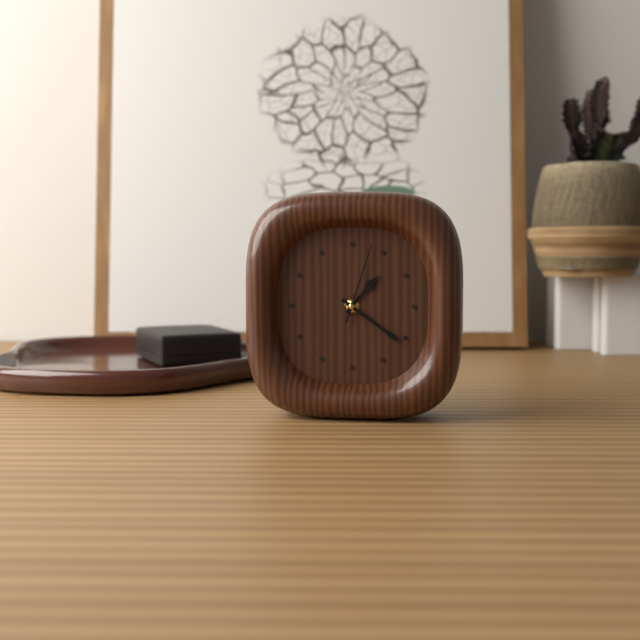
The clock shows 1.21.03
